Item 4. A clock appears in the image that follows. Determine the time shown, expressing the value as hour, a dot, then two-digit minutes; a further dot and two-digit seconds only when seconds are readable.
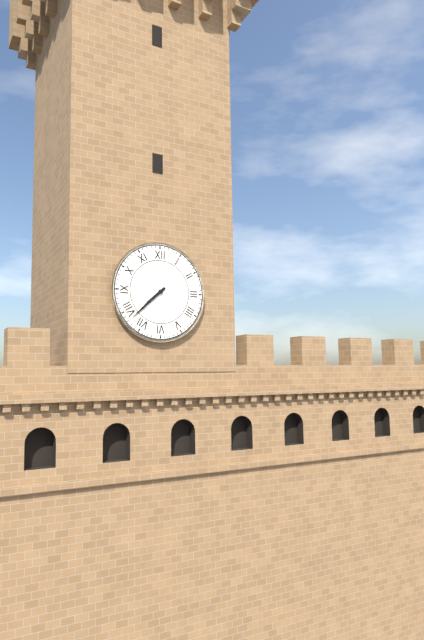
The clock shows 7.38
